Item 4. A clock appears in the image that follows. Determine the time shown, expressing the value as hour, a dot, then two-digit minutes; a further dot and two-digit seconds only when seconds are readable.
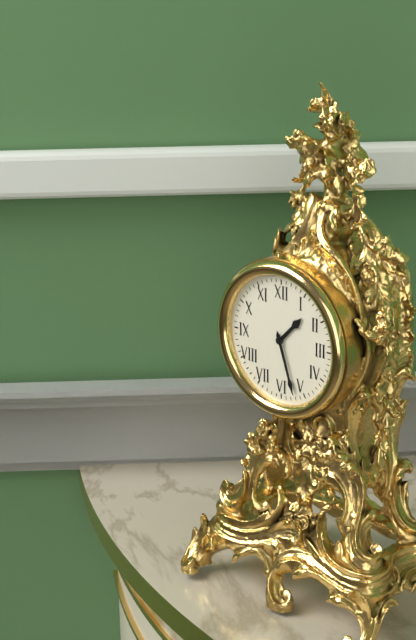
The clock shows 1.27
